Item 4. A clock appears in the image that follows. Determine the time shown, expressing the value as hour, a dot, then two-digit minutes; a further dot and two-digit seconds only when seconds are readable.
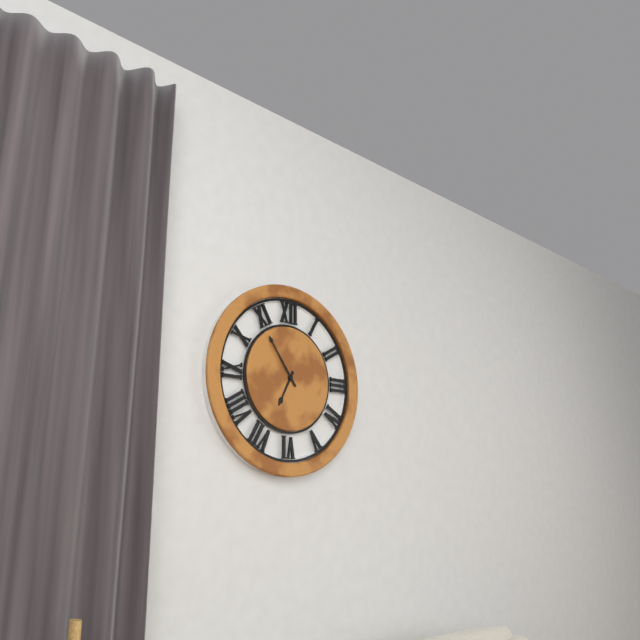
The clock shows 6.54
